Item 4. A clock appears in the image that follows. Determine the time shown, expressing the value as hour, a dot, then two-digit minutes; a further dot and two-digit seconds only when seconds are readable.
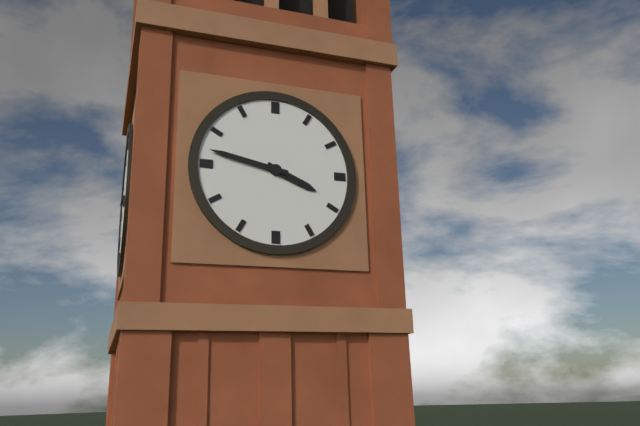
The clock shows 3.47
